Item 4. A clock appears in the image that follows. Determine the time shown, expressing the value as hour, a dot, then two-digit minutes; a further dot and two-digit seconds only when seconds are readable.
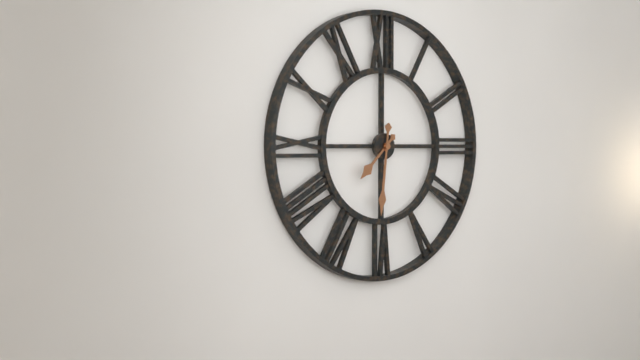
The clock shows 7.31
